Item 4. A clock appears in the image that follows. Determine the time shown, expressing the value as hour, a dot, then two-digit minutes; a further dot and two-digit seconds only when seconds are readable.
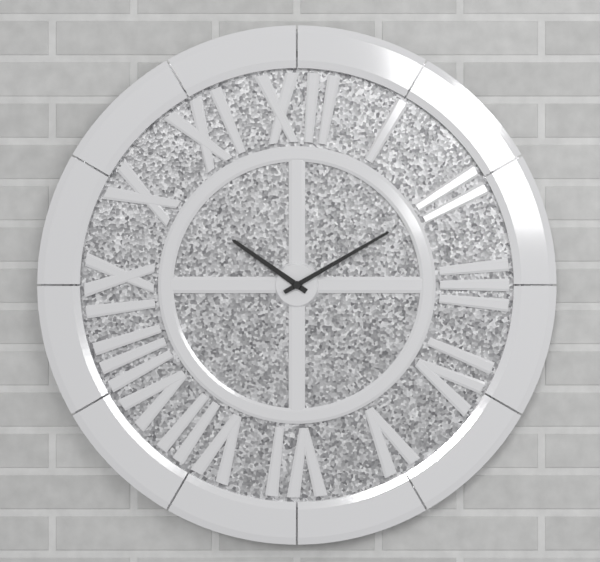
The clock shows 10.10
